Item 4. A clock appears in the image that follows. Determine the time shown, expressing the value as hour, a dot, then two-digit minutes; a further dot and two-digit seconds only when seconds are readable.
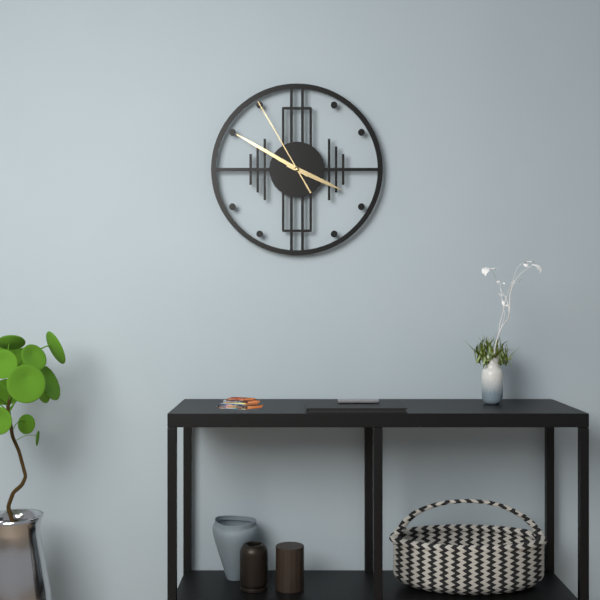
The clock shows 3.50.55
